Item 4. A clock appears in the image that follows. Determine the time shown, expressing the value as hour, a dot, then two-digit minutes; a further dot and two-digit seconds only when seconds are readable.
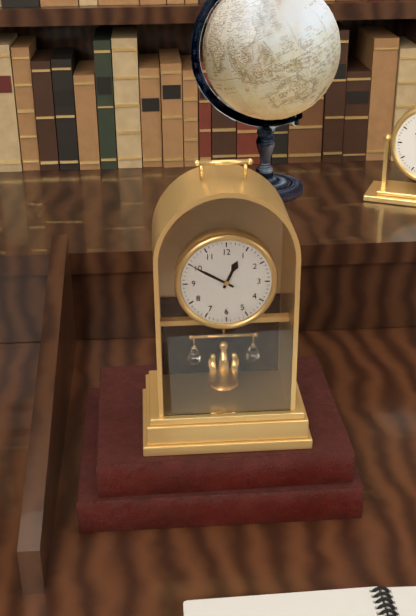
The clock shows 12.50
